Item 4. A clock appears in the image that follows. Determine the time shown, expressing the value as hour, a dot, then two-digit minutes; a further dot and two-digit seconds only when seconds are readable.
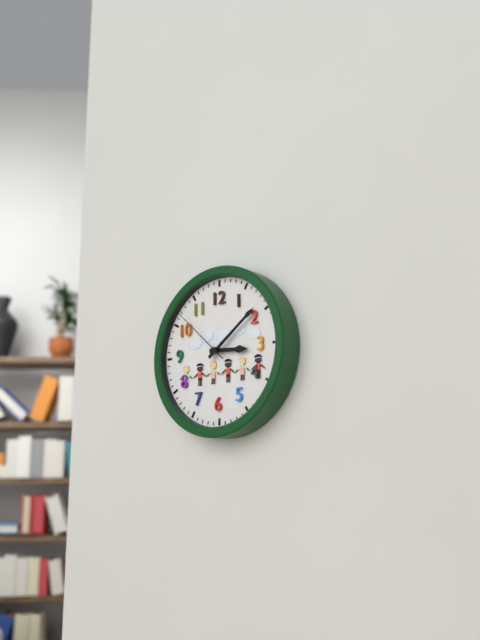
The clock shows 3.09.52
